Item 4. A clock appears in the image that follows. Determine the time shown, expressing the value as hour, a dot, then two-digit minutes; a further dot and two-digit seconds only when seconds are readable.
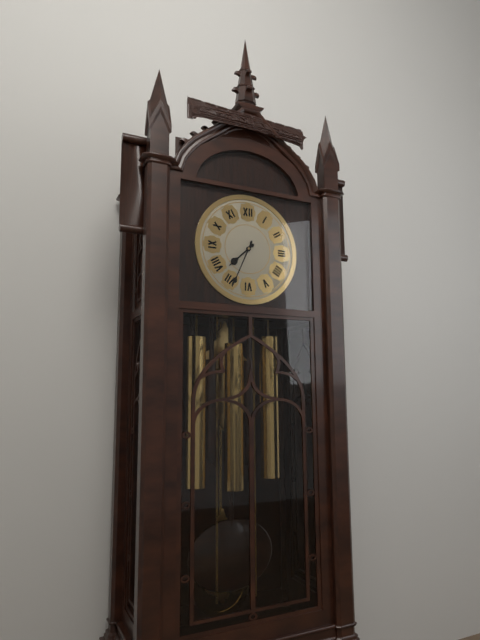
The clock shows 7.34
